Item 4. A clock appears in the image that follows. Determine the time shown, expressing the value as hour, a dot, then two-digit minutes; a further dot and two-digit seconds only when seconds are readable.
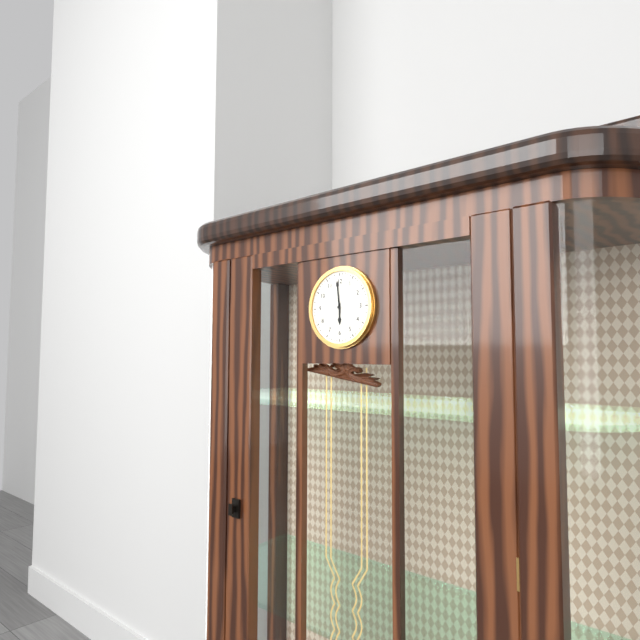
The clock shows 5.59
